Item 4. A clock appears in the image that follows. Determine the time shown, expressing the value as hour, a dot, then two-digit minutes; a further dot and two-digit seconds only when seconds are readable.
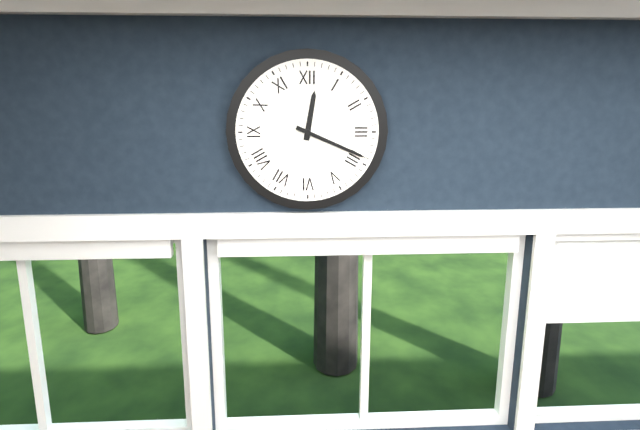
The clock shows 12.19
